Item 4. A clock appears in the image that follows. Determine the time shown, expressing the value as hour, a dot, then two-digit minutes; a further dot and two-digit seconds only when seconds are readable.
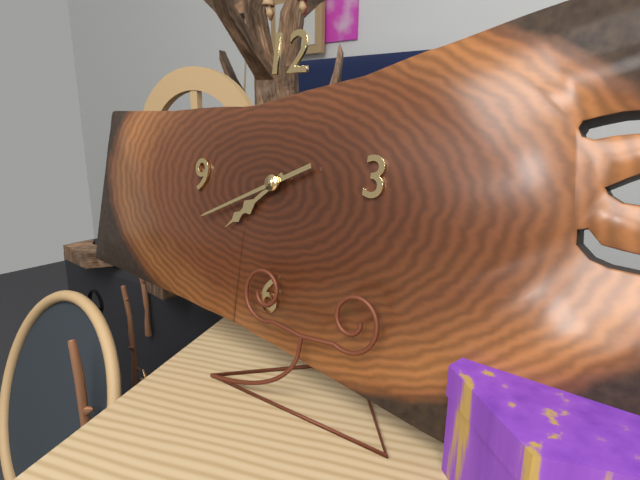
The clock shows 7.41
